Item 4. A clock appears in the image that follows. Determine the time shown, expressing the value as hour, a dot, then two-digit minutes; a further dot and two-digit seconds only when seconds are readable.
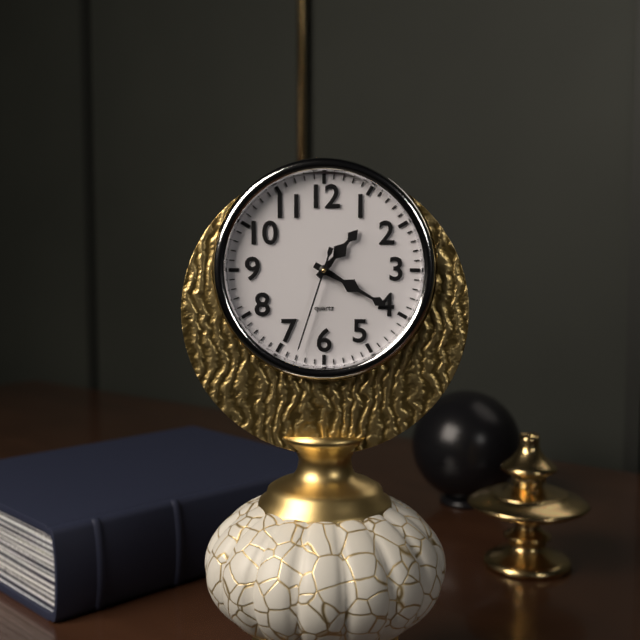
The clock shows 1.20.33
